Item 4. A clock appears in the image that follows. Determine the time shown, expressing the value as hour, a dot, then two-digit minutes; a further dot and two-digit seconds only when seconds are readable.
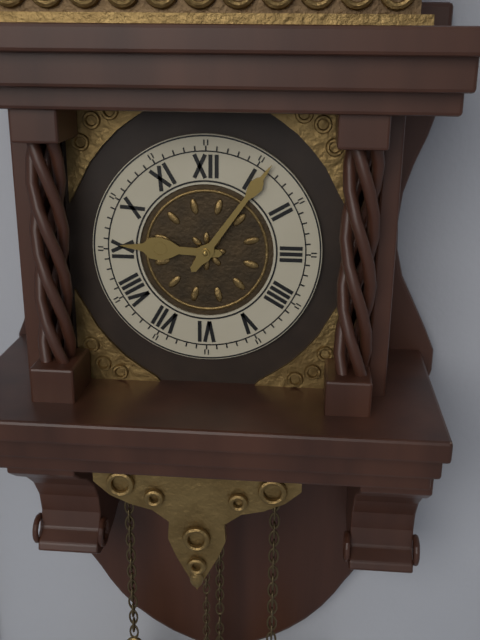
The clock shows 9.06
